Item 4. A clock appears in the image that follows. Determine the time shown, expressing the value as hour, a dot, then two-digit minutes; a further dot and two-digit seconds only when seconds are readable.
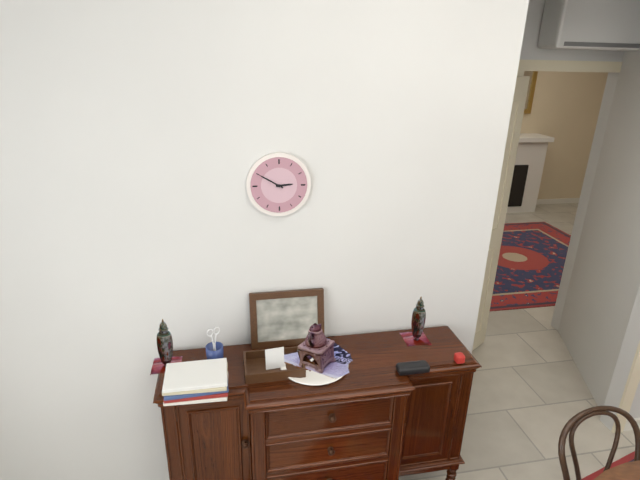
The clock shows 2.50
